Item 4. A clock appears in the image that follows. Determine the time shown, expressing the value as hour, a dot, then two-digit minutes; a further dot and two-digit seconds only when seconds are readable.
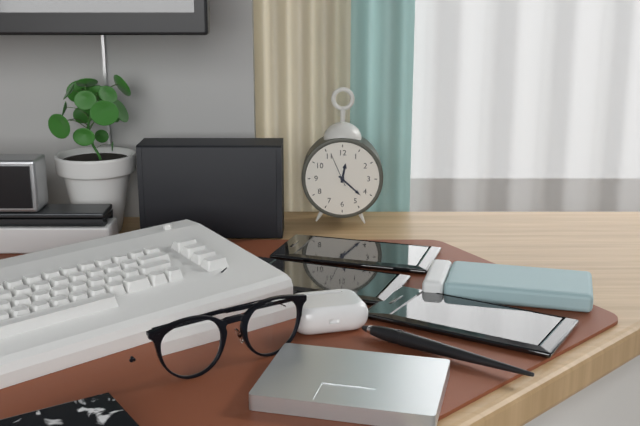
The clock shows 12.22
